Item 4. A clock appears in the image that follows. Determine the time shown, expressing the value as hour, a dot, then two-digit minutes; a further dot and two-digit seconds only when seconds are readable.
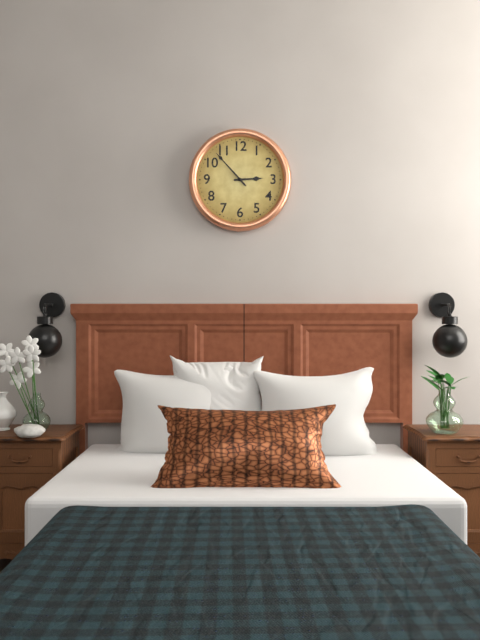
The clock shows 2.53
